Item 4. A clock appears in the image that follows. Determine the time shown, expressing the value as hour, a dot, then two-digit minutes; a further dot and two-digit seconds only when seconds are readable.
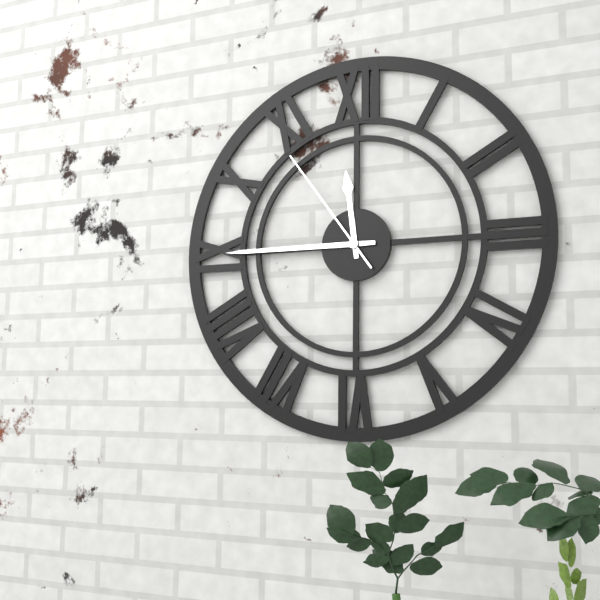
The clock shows 11.45.54
